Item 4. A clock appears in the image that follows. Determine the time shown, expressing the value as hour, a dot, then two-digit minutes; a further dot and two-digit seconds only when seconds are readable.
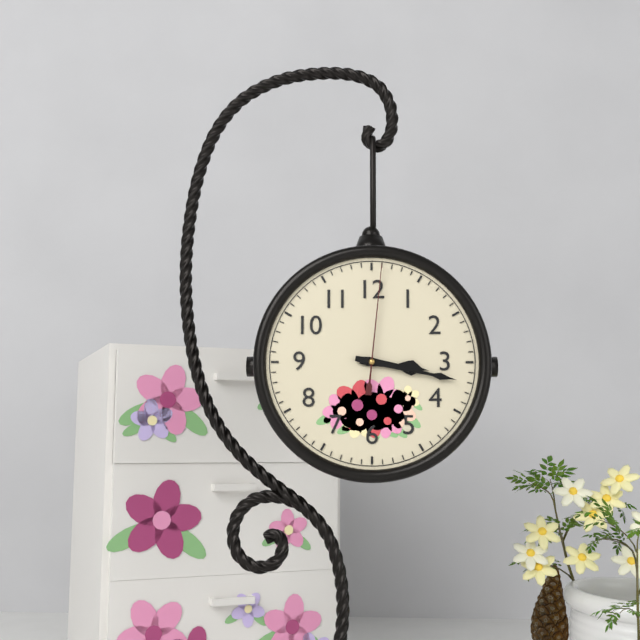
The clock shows 3.17.01
